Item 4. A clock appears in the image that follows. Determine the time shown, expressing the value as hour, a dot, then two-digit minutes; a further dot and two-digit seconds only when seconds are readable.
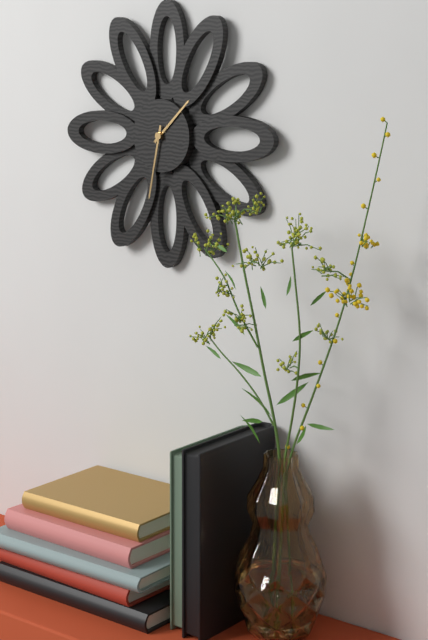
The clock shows 1.32
